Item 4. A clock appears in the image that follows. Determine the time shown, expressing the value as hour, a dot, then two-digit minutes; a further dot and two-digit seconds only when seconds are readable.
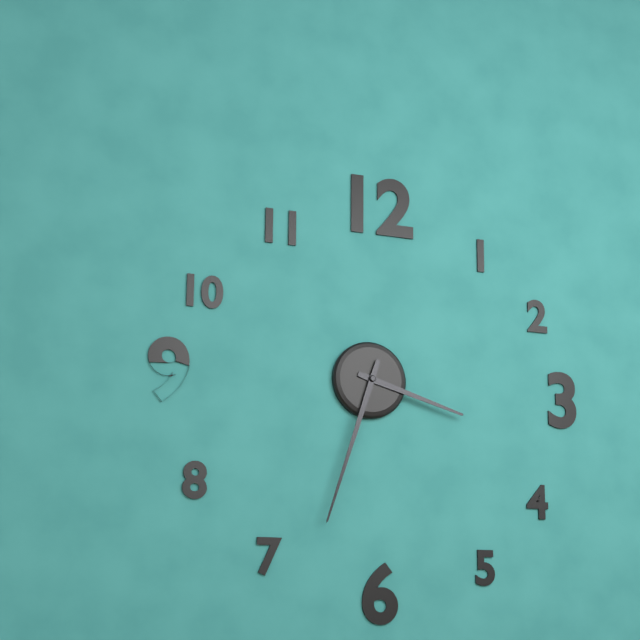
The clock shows 3.33
